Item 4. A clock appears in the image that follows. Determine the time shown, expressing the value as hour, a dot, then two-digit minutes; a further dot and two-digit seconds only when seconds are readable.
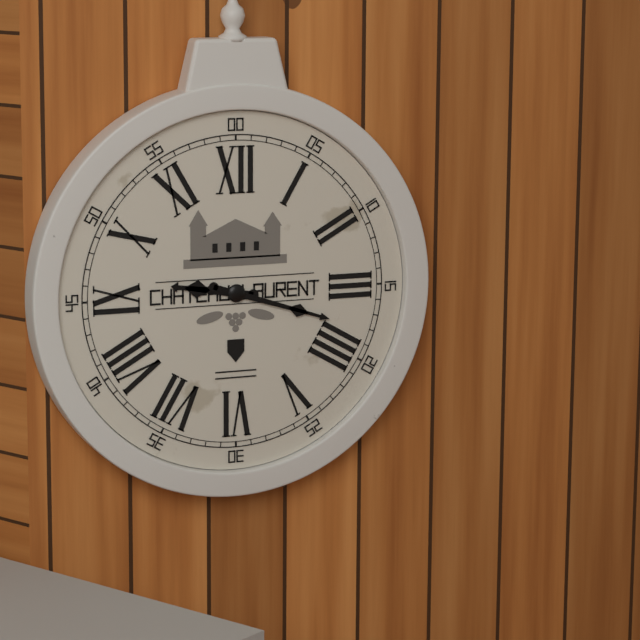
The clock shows 9.18
